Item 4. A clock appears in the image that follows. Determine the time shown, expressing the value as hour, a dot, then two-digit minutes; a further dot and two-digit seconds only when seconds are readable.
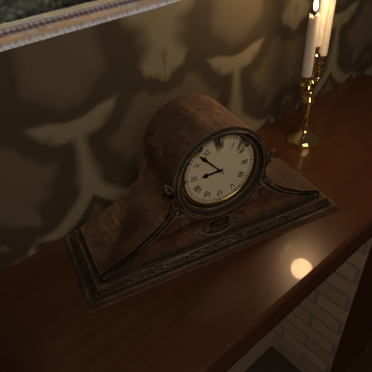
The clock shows 8.53
